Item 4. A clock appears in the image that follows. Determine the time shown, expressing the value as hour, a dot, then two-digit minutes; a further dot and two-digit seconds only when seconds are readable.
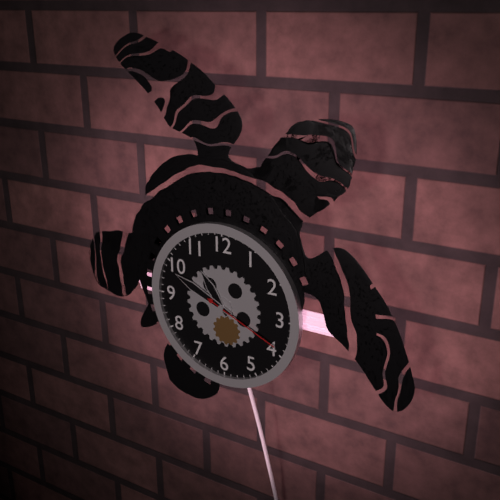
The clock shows 10.49.19
